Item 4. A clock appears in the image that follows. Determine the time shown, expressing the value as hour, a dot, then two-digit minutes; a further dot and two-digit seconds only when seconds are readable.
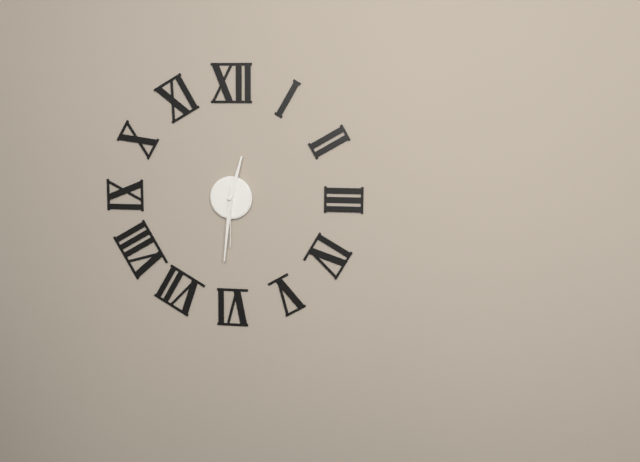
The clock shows 12.31.30
